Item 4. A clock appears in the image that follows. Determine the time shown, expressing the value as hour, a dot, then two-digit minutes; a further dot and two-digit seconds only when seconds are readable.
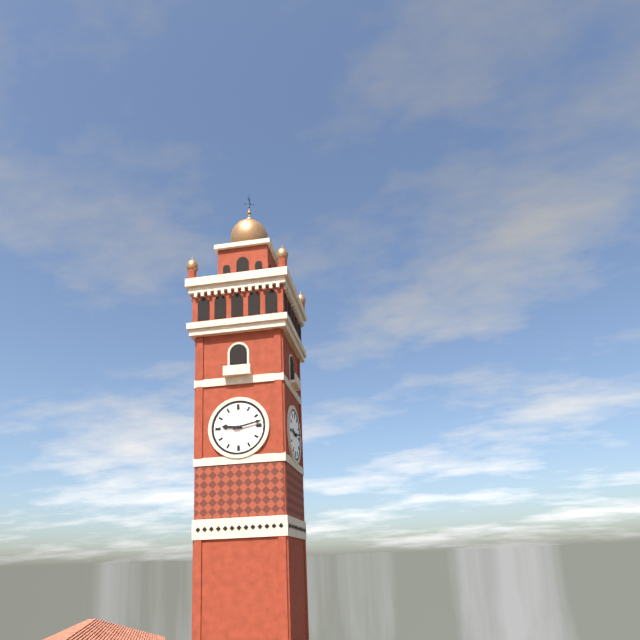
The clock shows 9.13
